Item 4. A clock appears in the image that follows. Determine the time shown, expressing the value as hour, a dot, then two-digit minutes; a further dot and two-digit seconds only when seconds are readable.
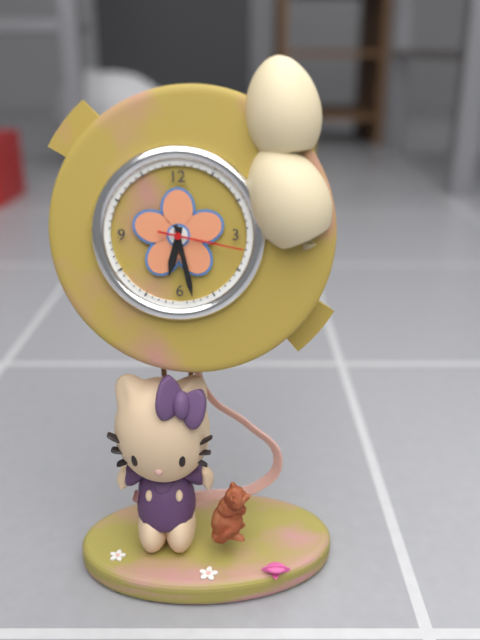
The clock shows 6.28.17
